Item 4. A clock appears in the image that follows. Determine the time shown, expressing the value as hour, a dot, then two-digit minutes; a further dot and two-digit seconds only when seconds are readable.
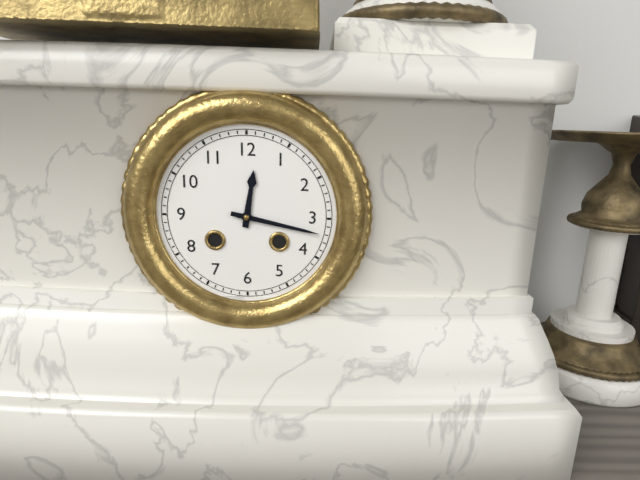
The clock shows 12.17
